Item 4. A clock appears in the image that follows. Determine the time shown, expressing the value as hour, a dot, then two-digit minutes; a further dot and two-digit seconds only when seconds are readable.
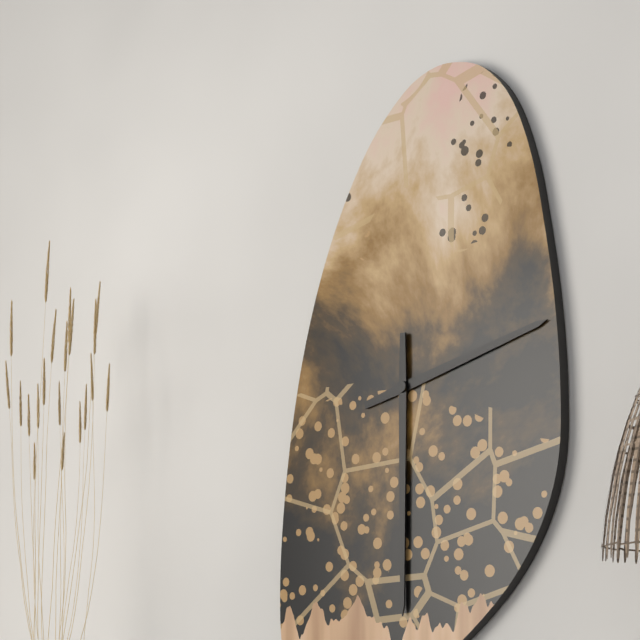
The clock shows 2.30
